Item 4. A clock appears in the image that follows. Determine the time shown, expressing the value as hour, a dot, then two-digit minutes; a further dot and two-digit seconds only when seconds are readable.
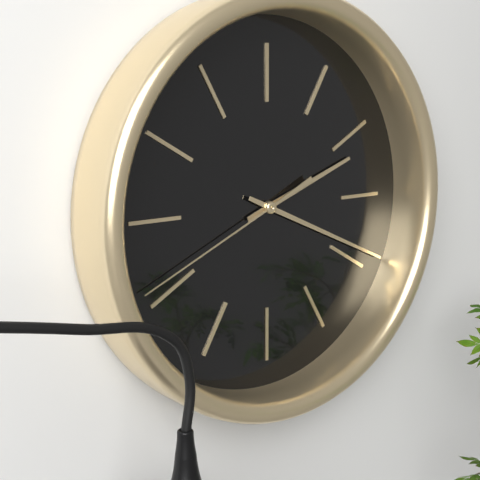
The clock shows 2.19.41
